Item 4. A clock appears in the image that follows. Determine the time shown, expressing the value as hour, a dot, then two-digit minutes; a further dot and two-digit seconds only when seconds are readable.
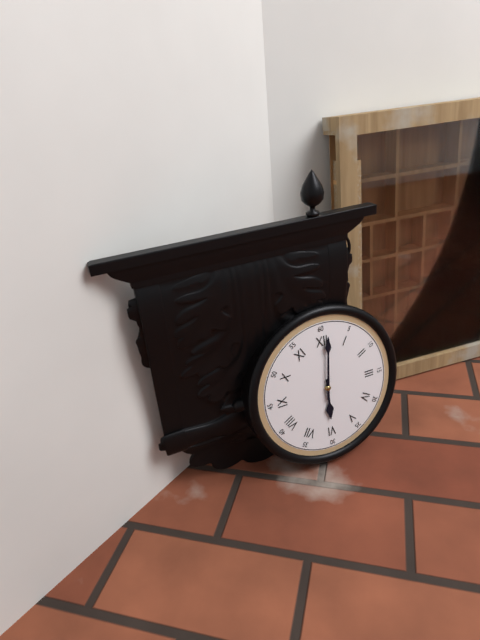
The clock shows 6.01
